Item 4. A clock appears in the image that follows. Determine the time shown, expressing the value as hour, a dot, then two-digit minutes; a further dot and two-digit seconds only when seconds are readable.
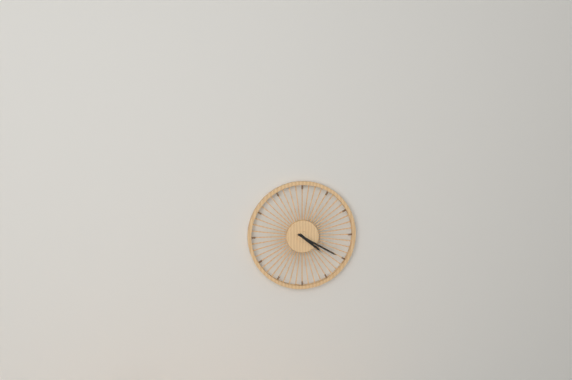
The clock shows 4.20
